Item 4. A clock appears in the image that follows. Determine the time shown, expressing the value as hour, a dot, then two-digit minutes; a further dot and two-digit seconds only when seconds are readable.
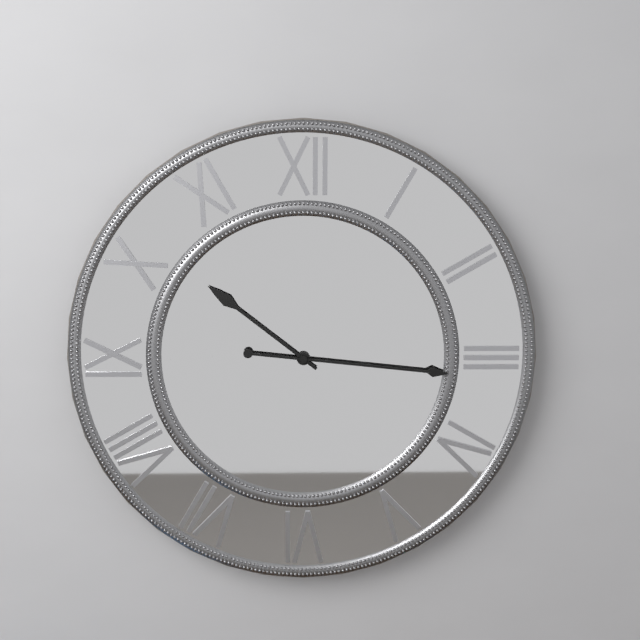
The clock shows 10.16
